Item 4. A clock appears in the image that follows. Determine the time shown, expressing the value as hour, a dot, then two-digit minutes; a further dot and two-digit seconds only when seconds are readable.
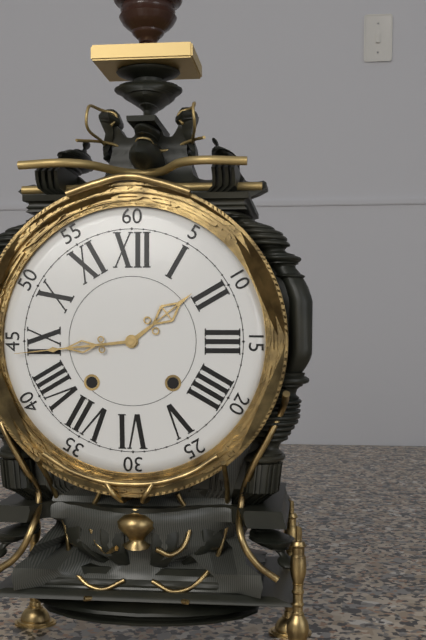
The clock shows 1.44
